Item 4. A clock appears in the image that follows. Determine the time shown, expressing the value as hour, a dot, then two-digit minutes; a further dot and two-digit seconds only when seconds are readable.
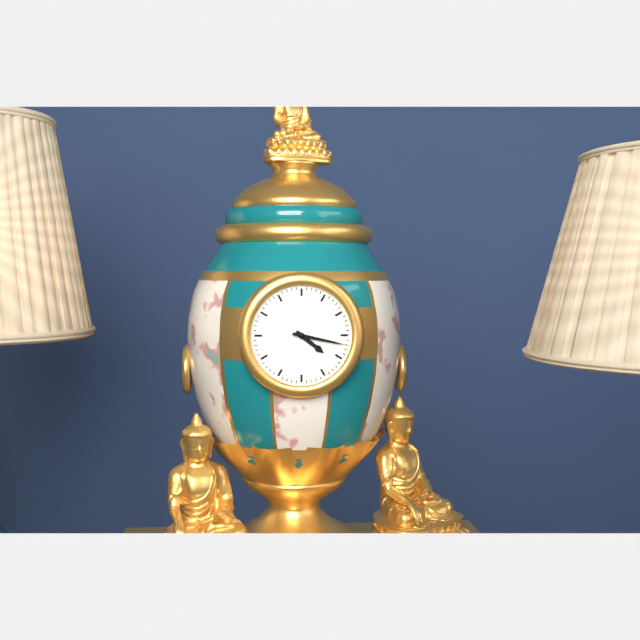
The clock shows 4.17
